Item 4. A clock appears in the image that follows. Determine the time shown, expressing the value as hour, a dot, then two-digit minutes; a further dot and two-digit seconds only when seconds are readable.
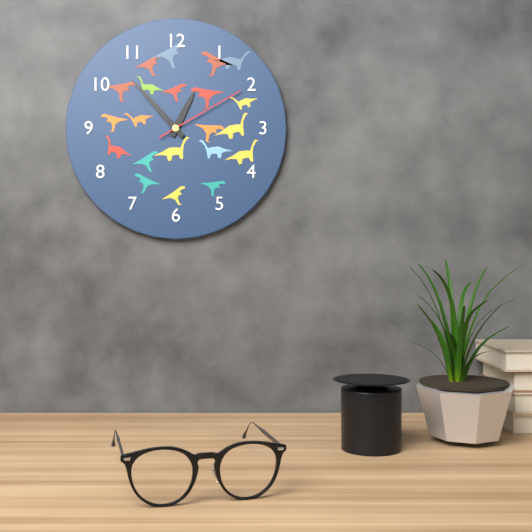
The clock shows 12.53.10
